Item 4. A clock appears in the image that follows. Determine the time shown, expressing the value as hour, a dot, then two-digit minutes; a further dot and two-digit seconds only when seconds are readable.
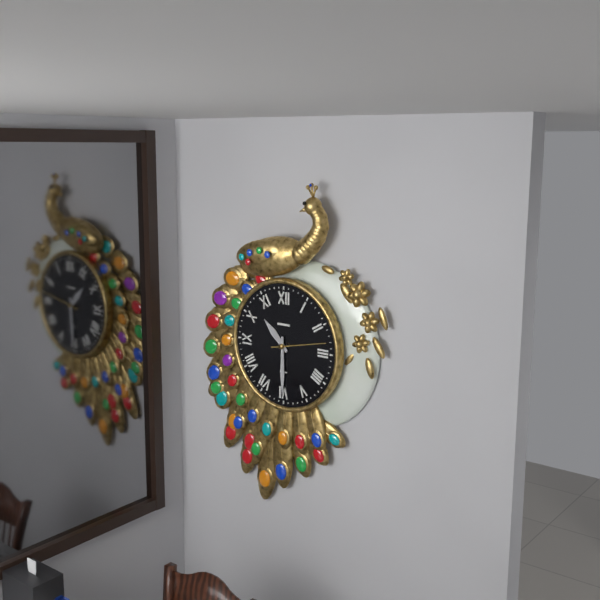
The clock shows 10.30.13
